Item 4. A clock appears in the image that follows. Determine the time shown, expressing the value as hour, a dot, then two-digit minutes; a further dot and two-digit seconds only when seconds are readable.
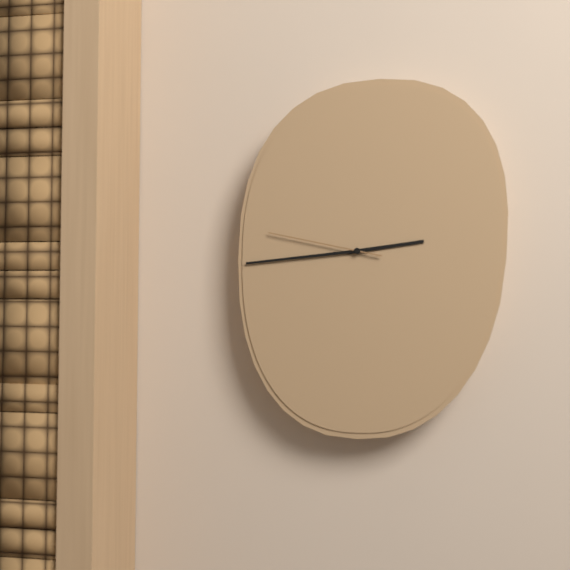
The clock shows 2.44.47
